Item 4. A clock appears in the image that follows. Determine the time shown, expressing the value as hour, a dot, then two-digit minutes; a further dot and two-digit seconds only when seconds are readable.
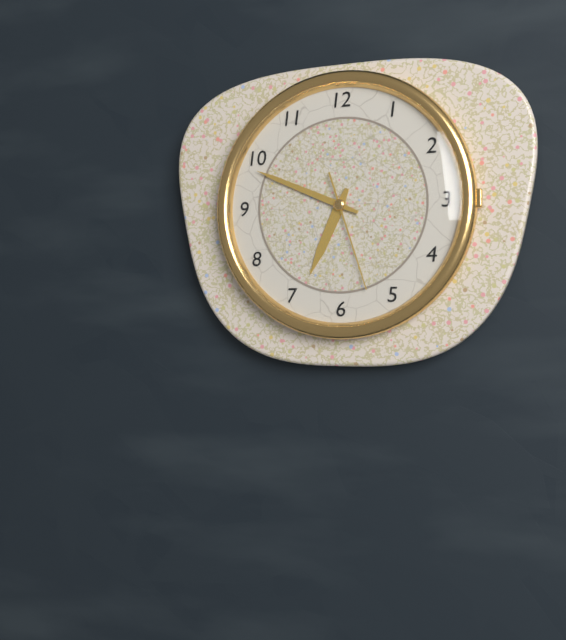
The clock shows 6.49.27
